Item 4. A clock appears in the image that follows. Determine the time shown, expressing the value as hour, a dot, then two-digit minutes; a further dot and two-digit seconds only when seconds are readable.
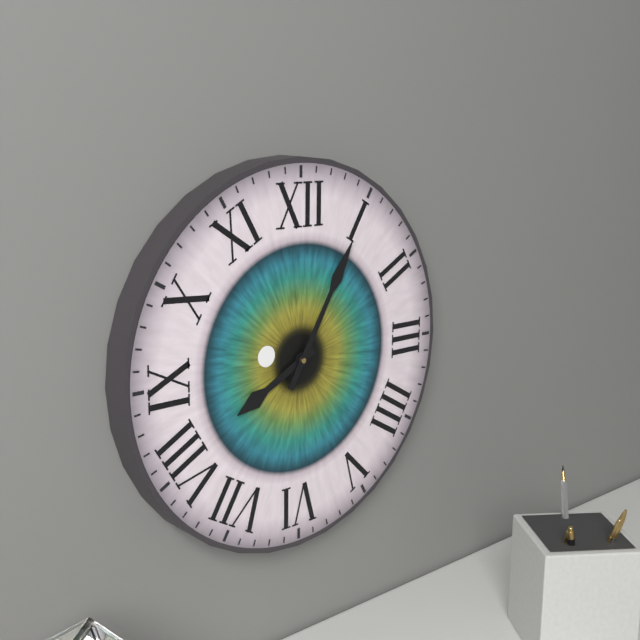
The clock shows 8.05
